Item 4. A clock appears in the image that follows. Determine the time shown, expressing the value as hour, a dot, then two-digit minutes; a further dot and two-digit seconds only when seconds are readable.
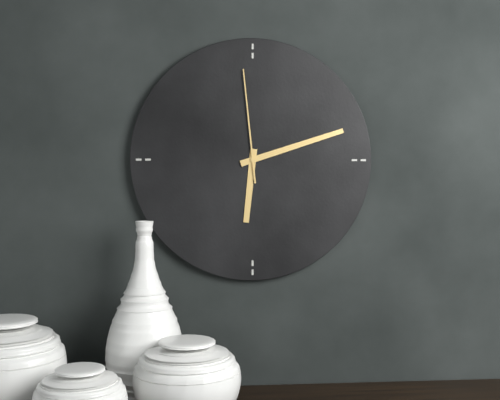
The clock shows 6.12.59
